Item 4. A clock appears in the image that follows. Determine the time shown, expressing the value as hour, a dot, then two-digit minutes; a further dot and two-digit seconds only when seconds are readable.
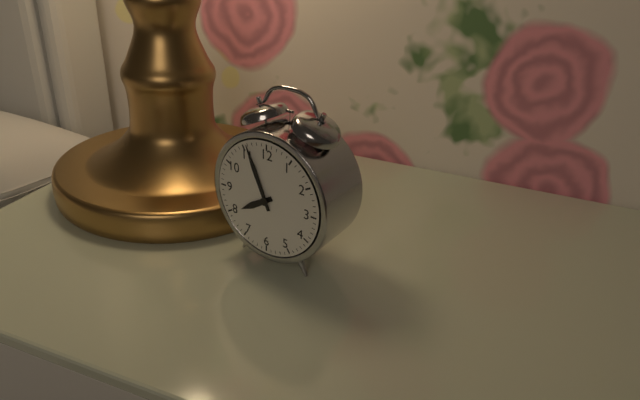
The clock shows 7.56
